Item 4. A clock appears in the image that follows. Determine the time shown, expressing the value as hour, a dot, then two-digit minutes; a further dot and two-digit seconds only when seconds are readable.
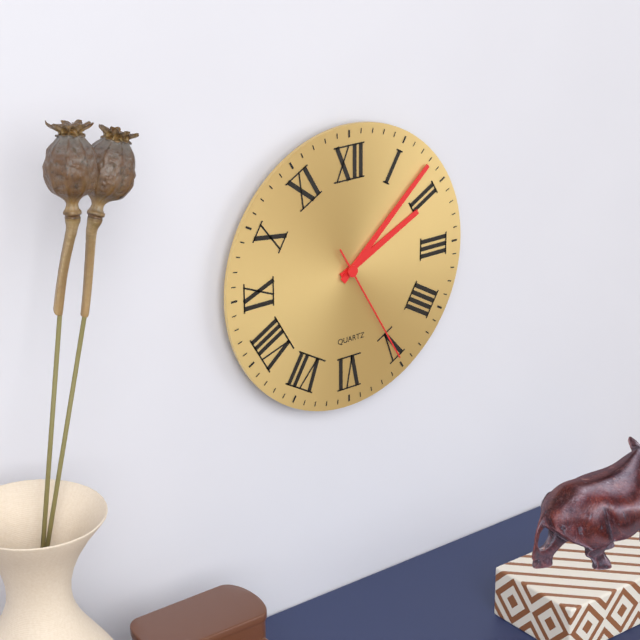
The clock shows 2.08.25
